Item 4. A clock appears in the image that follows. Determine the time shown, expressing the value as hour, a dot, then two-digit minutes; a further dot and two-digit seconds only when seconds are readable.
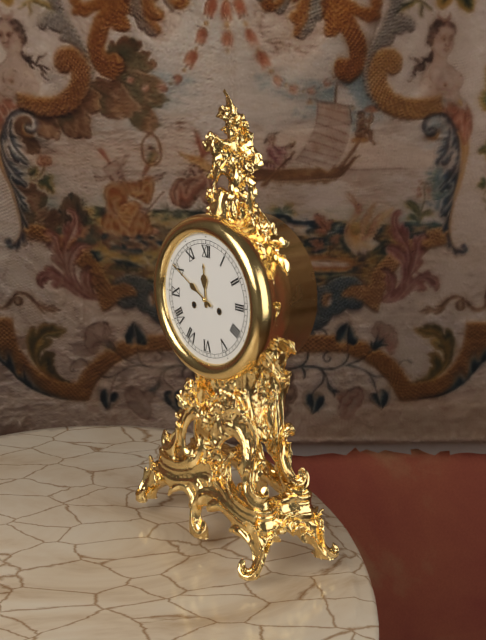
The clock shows 11.50
